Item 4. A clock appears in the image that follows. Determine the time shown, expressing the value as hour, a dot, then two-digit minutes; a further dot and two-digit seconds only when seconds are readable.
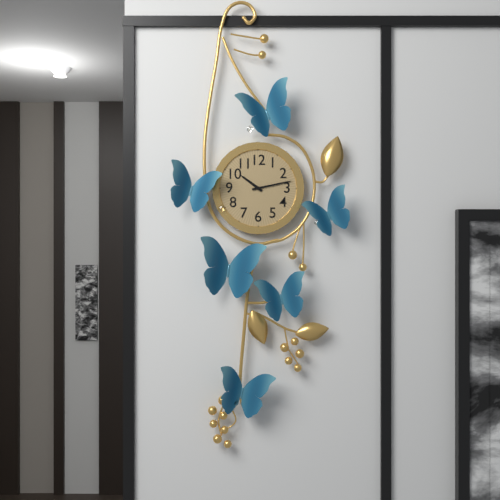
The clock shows 10.13
